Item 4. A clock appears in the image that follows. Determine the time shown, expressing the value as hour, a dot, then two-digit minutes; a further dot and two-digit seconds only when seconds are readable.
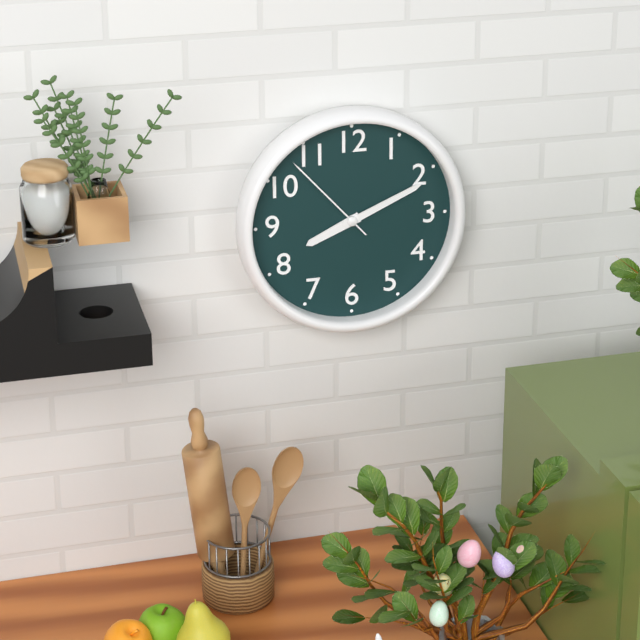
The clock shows 8.11.53
